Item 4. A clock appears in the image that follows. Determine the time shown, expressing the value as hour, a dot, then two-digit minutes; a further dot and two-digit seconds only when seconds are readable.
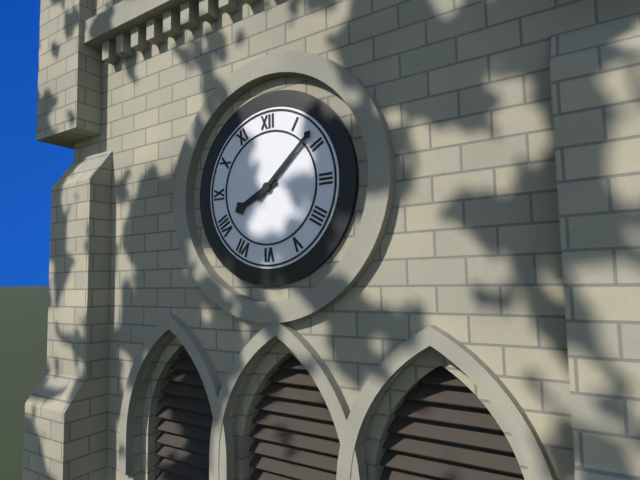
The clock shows 8.08
